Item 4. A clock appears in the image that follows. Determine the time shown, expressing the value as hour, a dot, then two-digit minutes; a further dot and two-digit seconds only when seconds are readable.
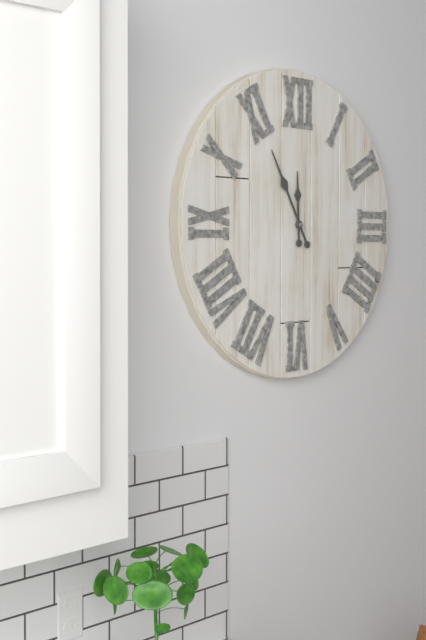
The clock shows 11.55
